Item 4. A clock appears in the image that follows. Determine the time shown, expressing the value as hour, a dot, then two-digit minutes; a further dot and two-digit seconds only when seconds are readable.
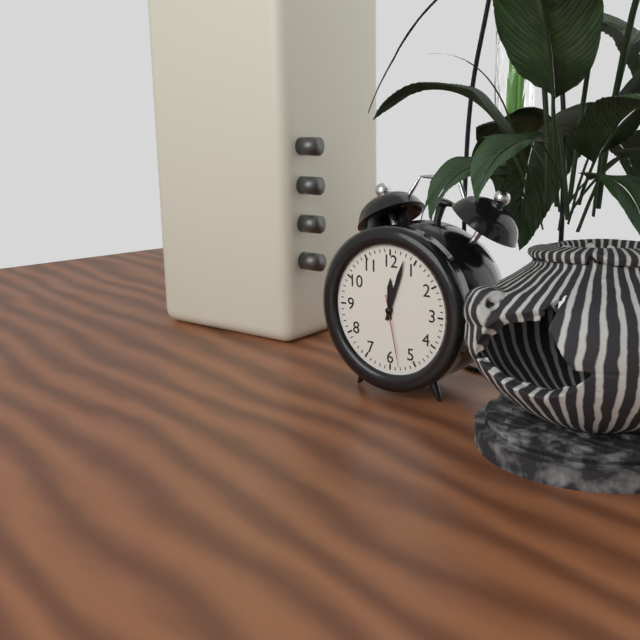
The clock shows 12.03.28
